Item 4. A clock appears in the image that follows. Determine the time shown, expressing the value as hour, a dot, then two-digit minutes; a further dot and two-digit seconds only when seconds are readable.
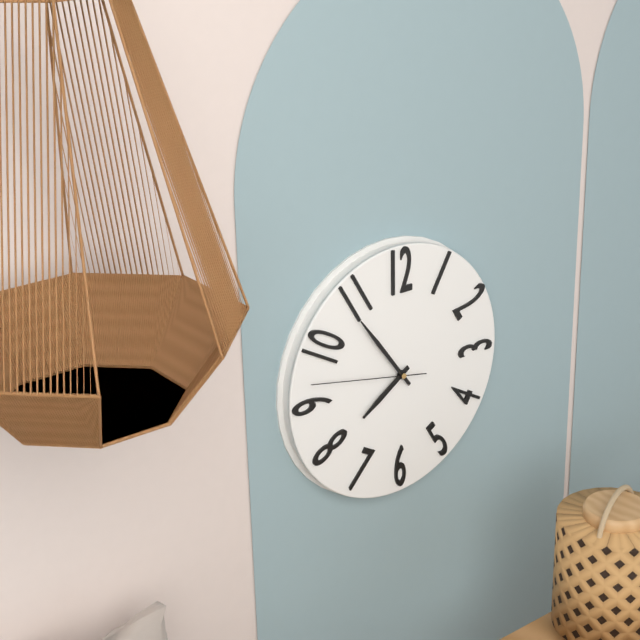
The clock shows 7.54.47
